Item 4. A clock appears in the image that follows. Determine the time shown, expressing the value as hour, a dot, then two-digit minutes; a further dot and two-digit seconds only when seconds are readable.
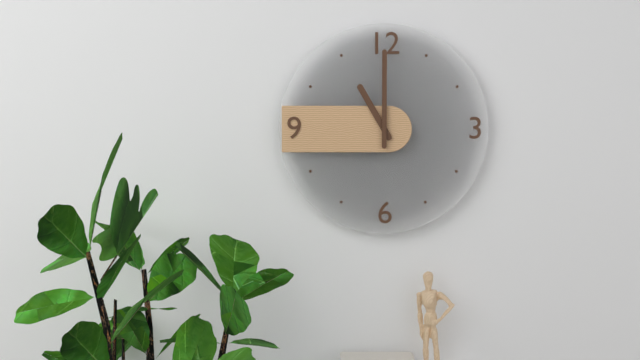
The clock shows 11.00
